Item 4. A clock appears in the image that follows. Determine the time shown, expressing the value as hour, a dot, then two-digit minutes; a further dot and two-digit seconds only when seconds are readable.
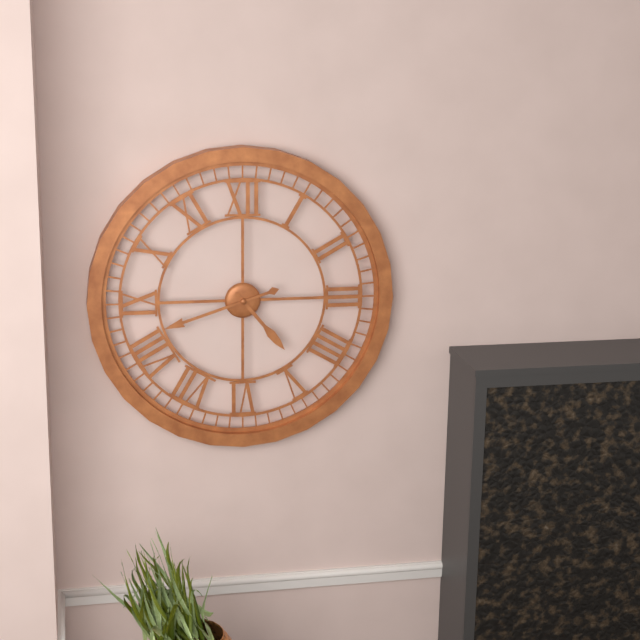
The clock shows 4.42
